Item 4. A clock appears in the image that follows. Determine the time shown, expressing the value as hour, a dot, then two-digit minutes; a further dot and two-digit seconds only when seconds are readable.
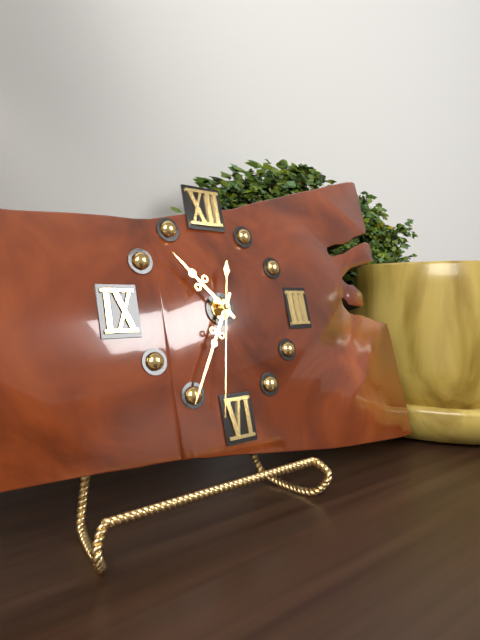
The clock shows 10.35.32
